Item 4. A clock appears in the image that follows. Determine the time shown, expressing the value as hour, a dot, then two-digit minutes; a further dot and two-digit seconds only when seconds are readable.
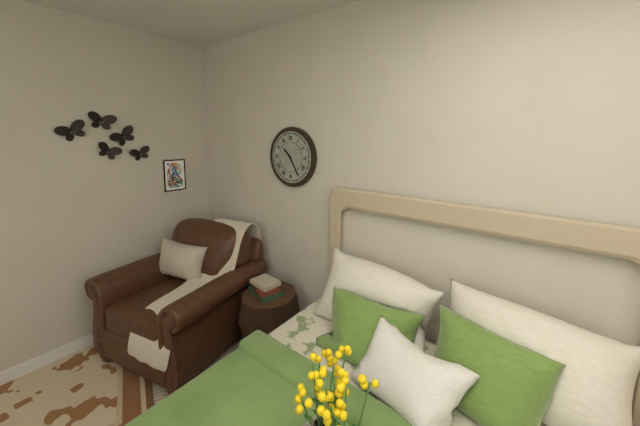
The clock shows 10.25
